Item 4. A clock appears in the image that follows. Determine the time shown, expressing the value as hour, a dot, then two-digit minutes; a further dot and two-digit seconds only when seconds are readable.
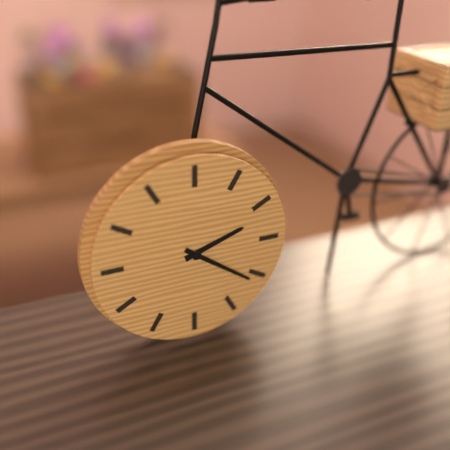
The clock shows 2.21
